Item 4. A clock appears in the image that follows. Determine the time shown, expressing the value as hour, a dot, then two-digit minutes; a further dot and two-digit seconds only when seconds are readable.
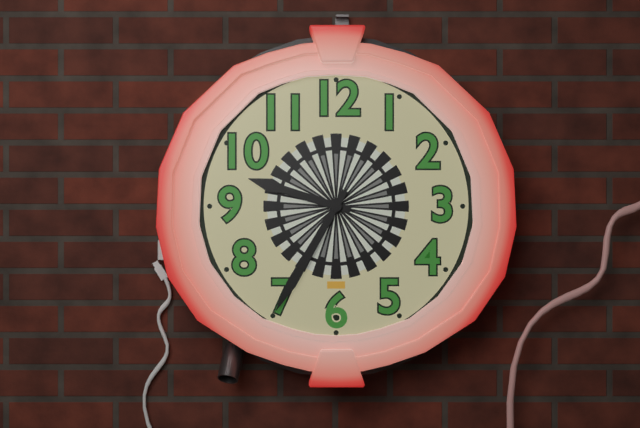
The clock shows 9.35
